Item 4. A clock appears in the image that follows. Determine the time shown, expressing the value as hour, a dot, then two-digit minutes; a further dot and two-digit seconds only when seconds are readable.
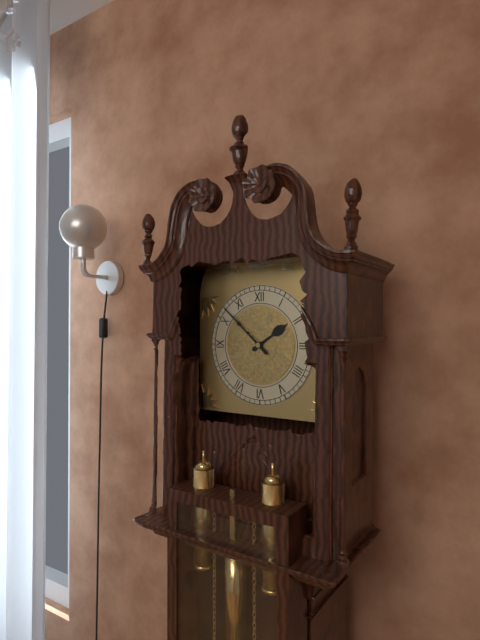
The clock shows 1.52
